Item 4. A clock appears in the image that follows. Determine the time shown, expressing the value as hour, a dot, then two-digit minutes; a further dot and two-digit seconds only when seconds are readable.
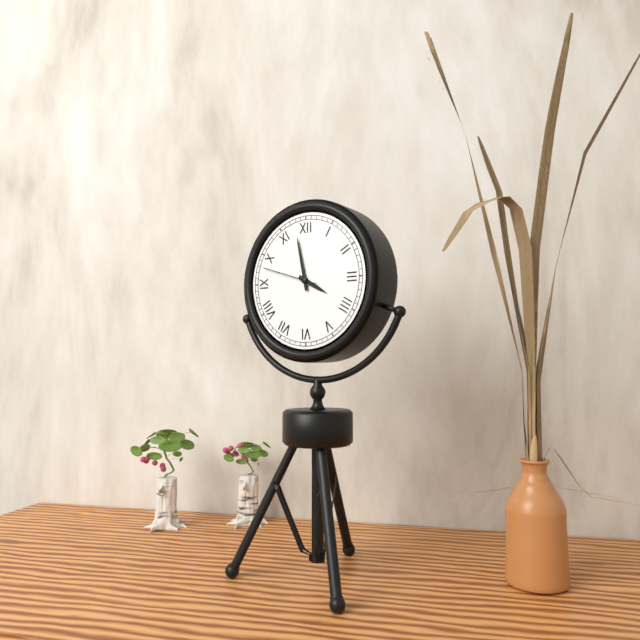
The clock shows 3.58.48
